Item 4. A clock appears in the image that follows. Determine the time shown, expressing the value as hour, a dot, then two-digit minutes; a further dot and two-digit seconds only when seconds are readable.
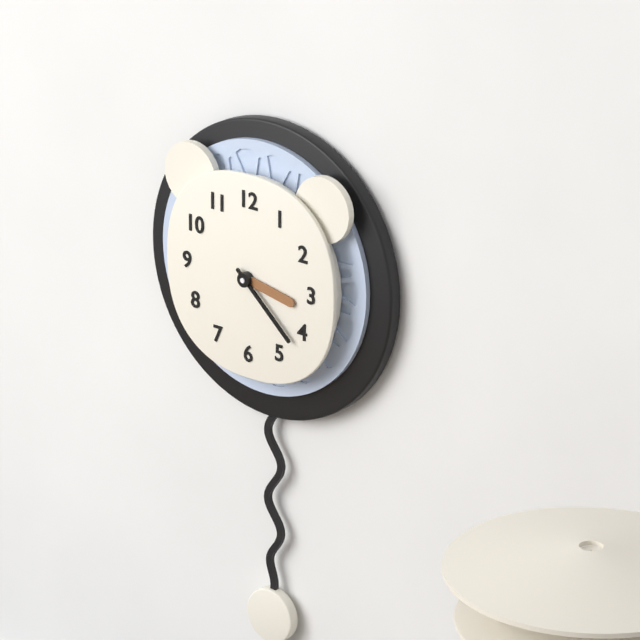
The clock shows 3.22
